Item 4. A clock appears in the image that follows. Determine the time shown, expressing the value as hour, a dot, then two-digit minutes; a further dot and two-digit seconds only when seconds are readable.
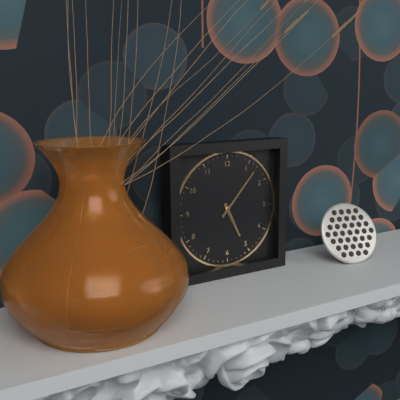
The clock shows 5.07
